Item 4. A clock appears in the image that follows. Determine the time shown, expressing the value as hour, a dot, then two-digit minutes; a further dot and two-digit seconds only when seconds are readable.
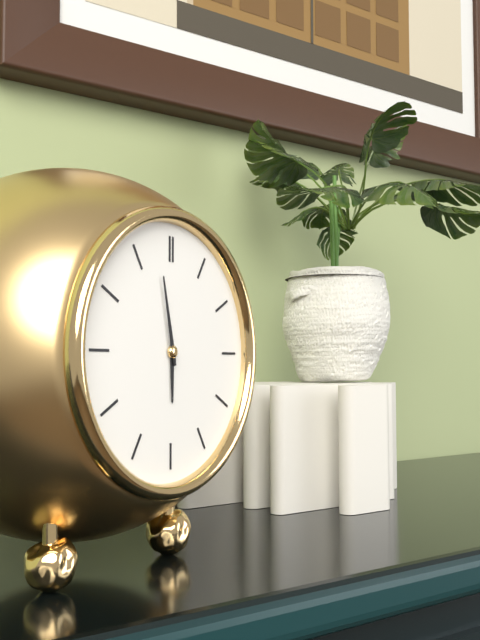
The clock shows 5.58
